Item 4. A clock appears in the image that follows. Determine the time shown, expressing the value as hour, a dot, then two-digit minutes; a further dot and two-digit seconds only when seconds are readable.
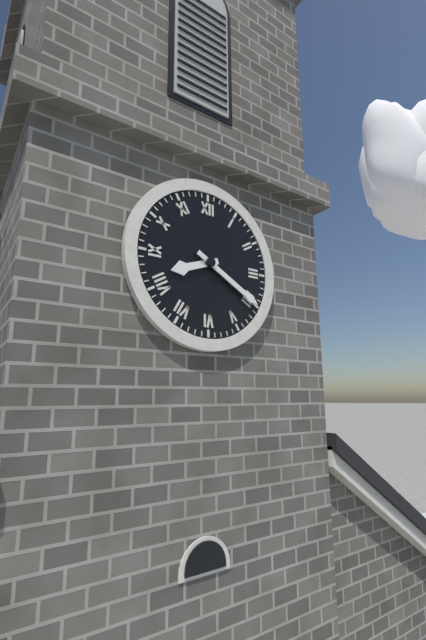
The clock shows 8.20
